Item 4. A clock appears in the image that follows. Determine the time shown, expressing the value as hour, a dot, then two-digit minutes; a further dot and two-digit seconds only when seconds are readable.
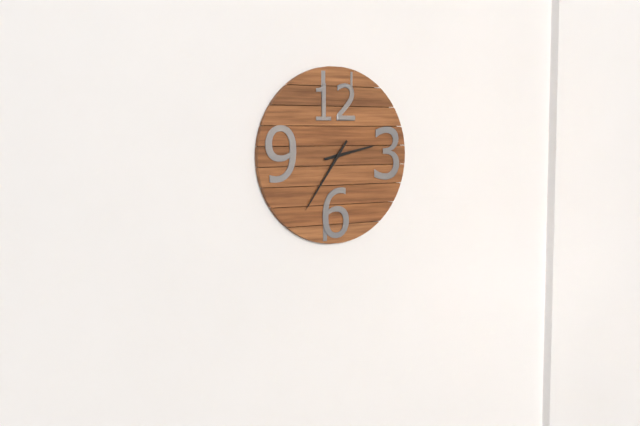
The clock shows 2.36
